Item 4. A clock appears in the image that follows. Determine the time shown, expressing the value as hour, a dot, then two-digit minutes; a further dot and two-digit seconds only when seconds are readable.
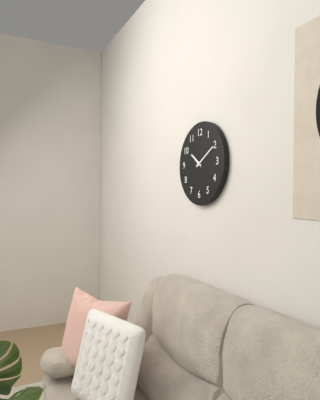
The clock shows 10.10
